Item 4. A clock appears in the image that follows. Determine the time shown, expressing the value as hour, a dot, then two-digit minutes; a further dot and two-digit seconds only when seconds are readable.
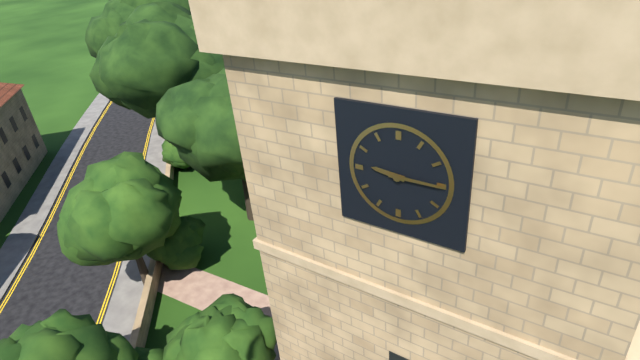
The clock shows 9.15
